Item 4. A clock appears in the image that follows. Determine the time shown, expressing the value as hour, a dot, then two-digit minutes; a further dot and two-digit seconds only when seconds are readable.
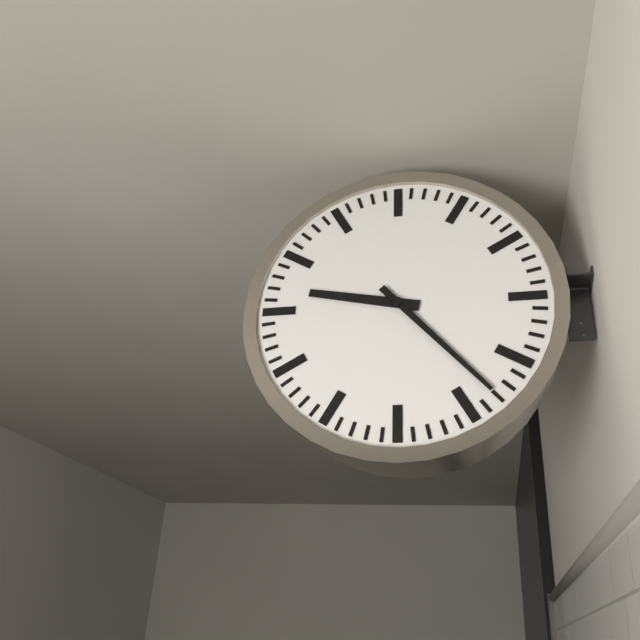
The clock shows 9.23
